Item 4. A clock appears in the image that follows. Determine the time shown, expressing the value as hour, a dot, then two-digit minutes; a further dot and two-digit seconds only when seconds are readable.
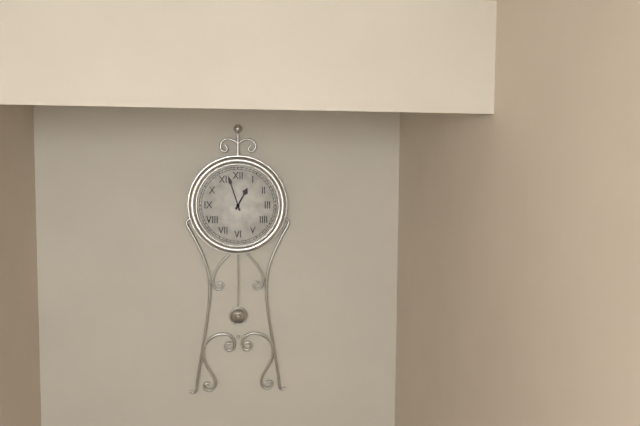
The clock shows 12.57
